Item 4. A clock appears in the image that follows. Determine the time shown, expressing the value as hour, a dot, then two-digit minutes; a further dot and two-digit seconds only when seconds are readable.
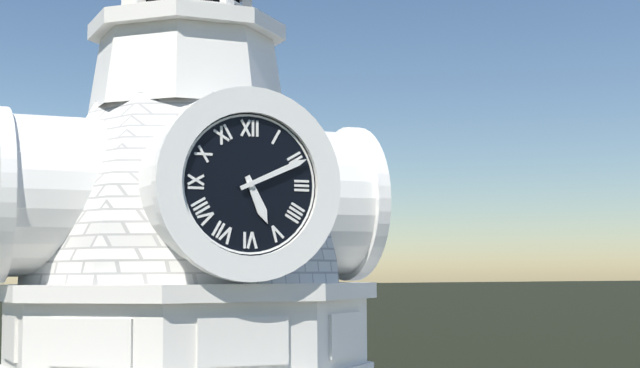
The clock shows 5.11
